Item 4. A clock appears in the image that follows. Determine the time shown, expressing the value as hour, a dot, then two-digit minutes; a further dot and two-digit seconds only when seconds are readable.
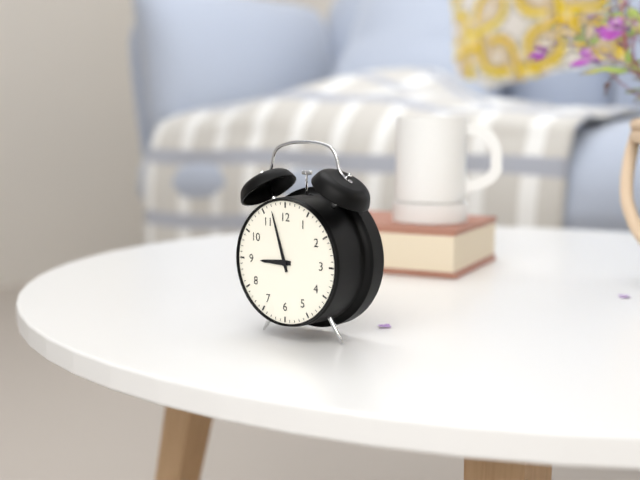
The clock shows 8.57
